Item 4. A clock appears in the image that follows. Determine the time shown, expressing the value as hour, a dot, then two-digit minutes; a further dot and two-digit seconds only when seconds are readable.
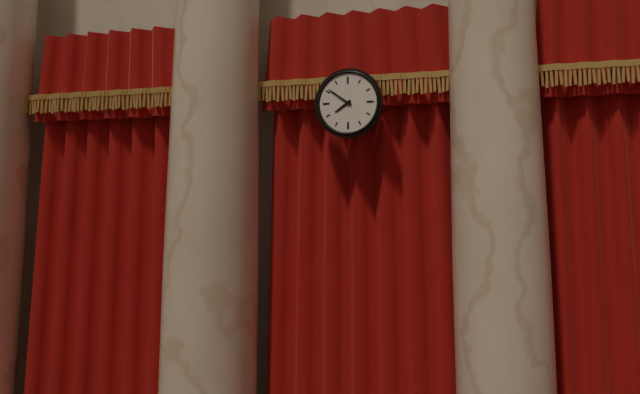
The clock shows 7.51
